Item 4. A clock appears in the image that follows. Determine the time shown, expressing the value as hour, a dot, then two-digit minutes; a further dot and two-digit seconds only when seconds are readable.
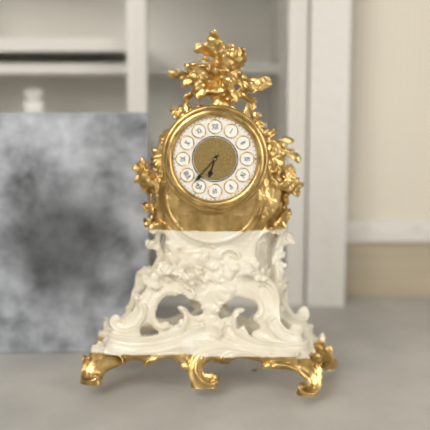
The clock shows 6.37
